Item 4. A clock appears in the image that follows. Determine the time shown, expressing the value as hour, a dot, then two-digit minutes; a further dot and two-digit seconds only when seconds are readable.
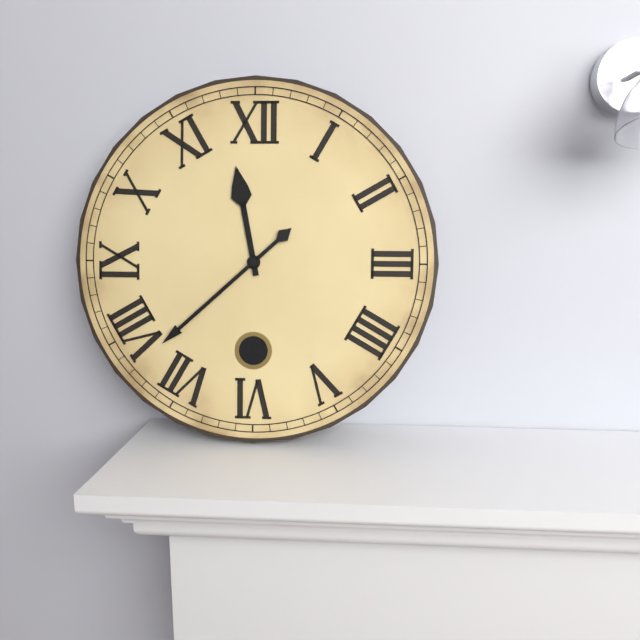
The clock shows 11.38
